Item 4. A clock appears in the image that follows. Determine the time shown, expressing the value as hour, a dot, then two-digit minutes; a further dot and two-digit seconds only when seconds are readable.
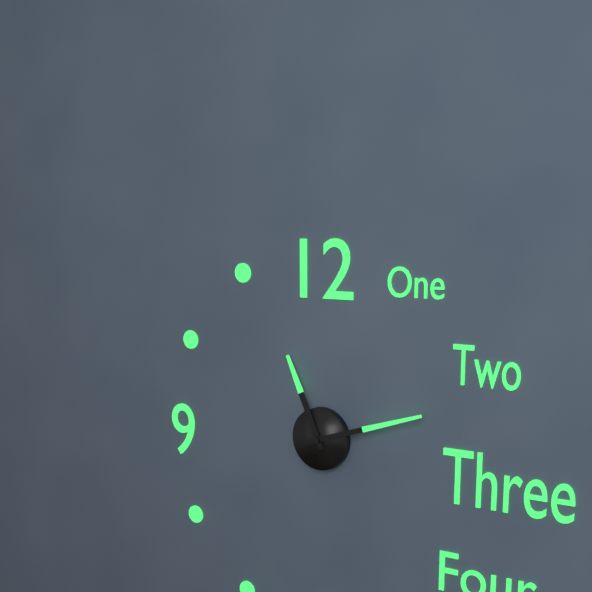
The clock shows 11.12
